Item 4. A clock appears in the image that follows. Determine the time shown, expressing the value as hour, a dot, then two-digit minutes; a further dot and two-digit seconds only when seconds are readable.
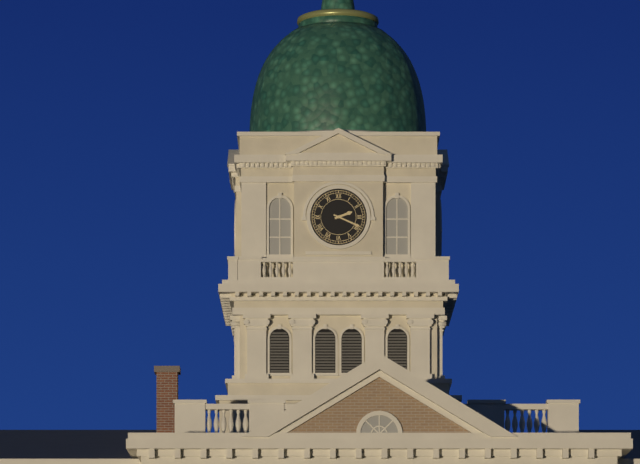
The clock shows 2.19
